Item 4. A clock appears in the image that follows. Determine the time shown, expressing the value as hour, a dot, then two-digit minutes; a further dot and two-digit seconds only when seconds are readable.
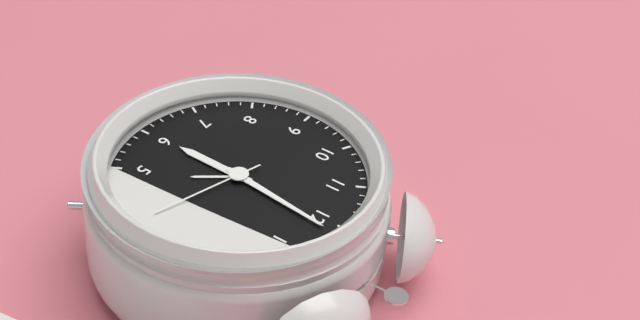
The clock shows 6.01.18
